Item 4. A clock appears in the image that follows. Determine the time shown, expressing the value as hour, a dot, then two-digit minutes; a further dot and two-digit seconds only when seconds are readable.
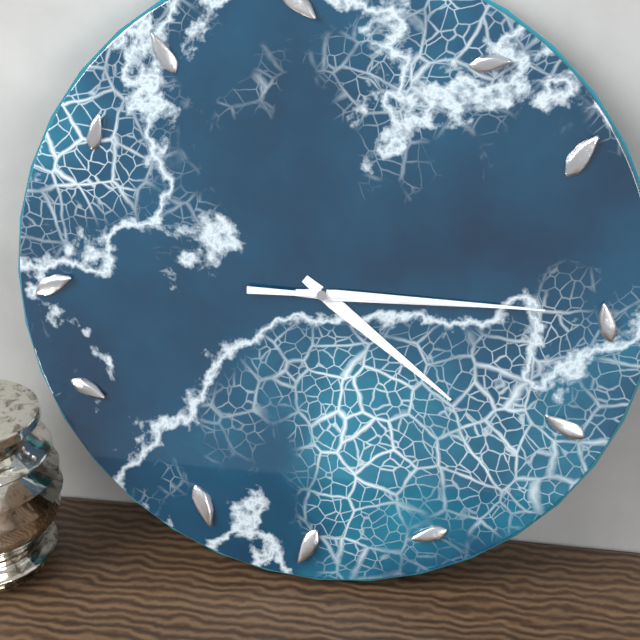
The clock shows 4.15.15
